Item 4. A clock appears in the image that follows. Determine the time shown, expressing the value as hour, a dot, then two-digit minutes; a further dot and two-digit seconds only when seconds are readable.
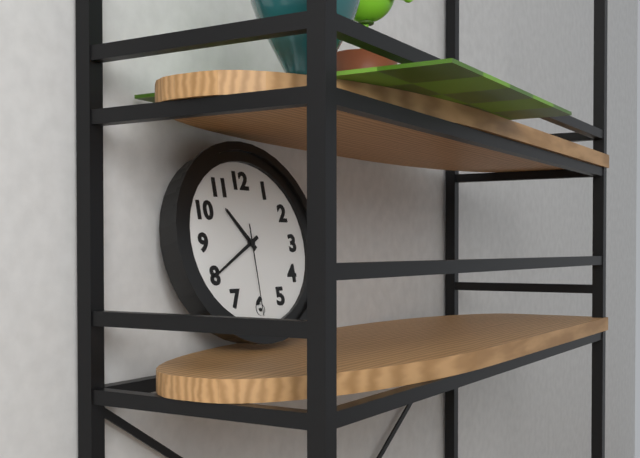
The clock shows 10.40.30
